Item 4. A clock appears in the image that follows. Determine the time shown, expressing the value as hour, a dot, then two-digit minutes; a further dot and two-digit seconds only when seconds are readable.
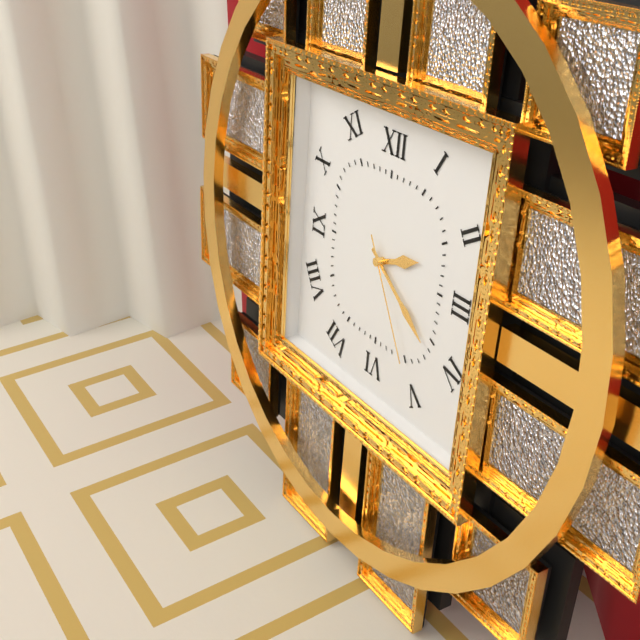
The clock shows 2.21.25
